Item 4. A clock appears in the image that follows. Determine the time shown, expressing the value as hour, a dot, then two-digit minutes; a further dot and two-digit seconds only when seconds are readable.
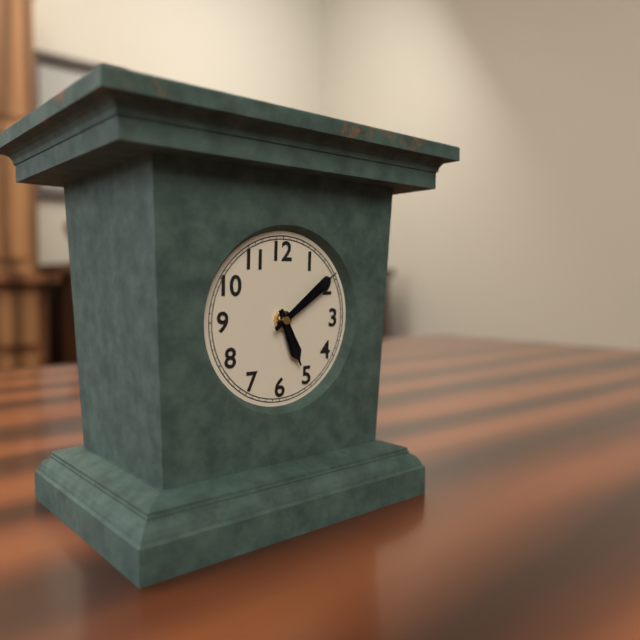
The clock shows 5.09
